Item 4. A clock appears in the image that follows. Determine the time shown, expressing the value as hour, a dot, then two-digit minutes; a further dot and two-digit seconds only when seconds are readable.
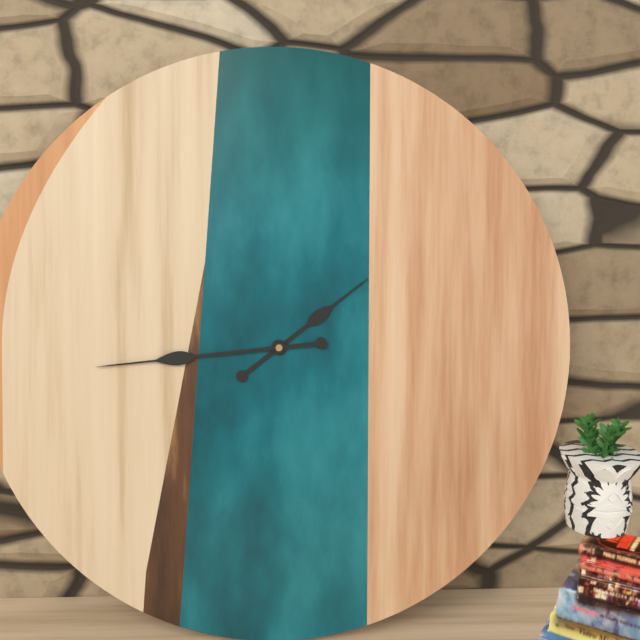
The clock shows 1.44
